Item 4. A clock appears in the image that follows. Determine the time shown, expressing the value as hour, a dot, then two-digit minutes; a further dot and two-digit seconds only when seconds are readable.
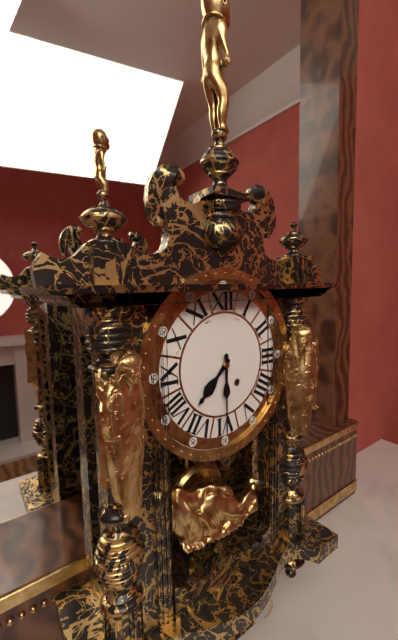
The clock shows 7.30
